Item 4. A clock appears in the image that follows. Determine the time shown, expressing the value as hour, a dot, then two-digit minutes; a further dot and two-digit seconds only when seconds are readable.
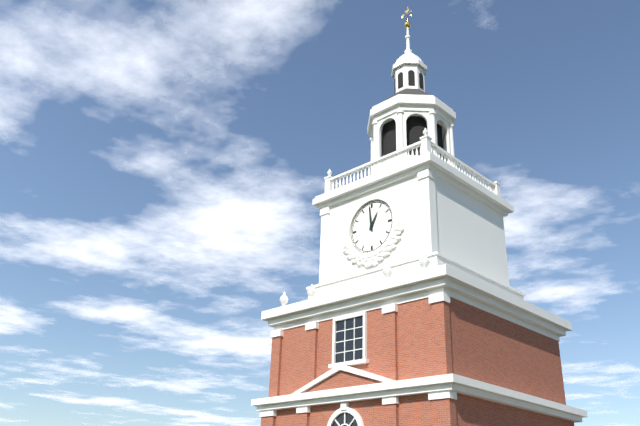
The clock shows 12.59
